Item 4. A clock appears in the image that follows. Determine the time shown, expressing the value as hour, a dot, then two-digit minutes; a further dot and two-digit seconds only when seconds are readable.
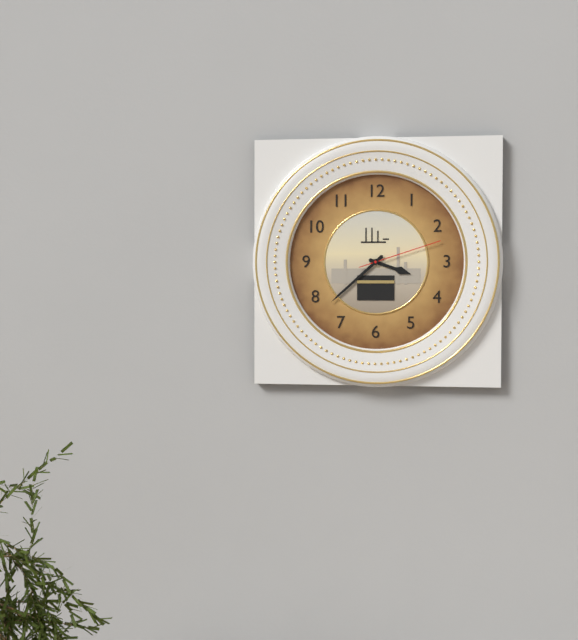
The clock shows 3.38.12
